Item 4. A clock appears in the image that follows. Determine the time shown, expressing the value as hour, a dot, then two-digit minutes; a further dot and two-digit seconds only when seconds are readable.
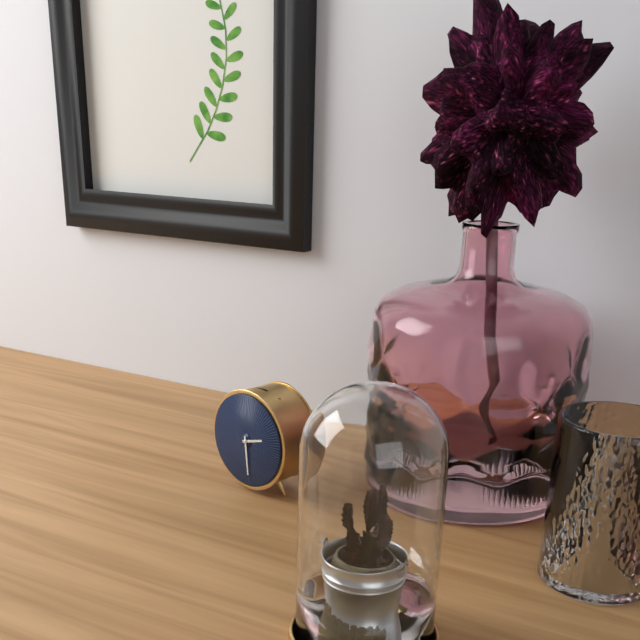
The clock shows 2.29
